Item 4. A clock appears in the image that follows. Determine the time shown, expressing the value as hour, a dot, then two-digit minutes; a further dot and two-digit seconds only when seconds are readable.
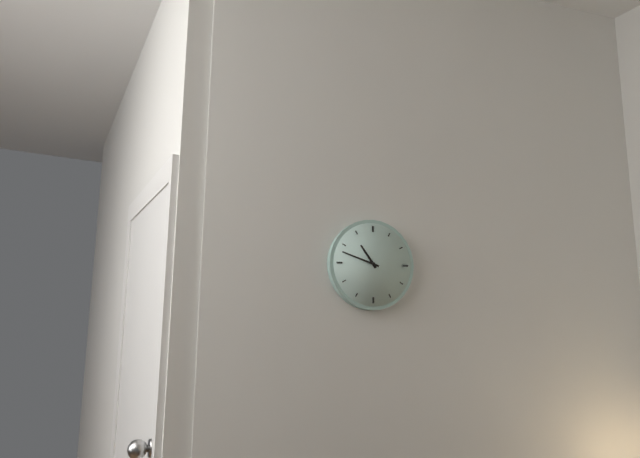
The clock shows 10.48
